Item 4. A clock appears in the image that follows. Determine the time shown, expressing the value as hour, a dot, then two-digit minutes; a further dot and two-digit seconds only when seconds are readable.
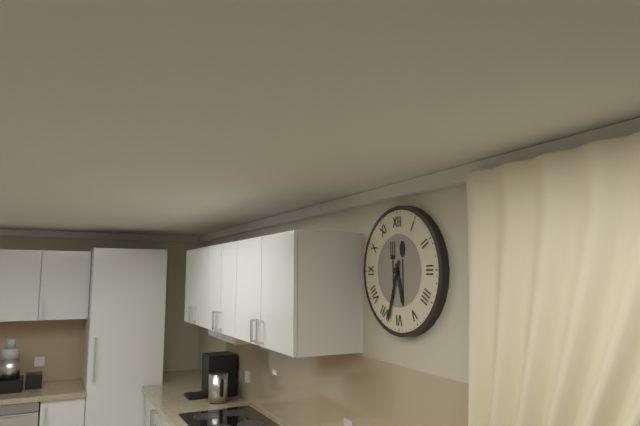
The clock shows 5.33
